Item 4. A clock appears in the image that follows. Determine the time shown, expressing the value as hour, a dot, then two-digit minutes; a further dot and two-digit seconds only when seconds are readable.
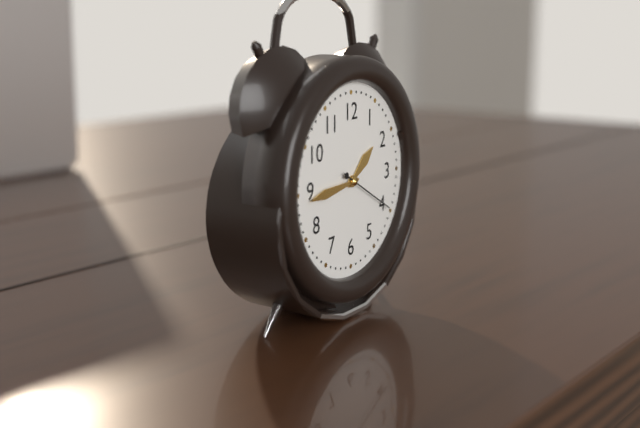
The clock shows 1.44.20
